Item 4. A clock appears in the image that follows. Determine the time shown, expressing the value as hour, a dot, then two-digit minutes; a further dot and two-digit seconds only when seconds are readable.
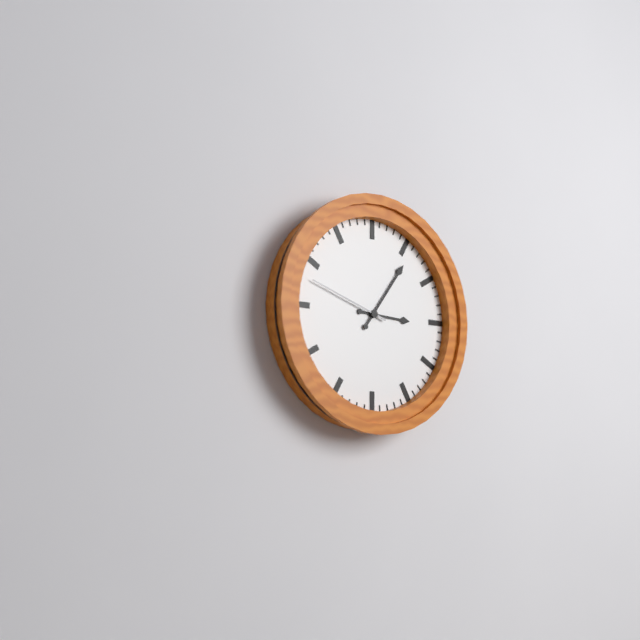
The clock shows 3.06.48
